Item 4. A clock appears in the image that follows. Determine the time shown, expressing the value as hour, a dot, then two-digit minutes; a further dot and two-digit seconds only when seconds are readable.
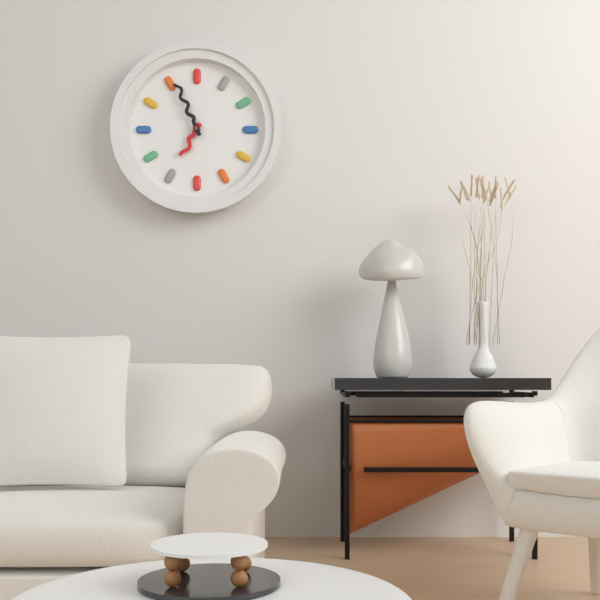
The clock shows 6.56
